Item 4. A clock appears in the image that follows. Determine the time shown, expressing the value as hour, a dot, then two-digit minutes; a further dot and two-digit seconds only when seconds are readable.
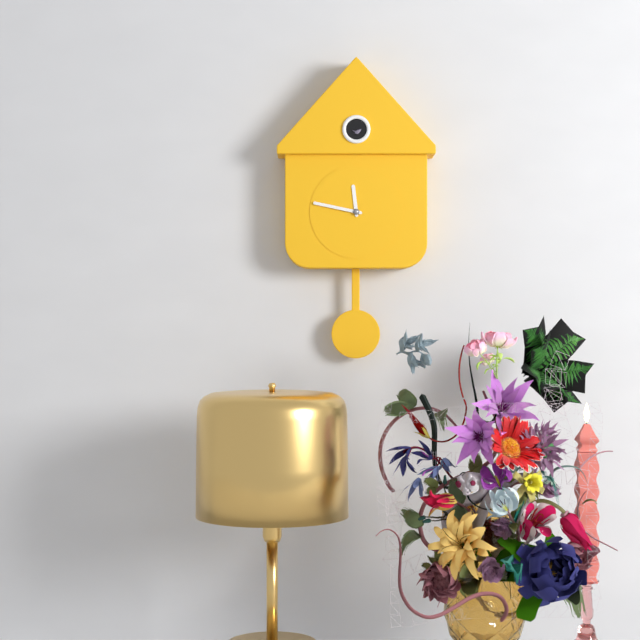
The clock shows 11.47
